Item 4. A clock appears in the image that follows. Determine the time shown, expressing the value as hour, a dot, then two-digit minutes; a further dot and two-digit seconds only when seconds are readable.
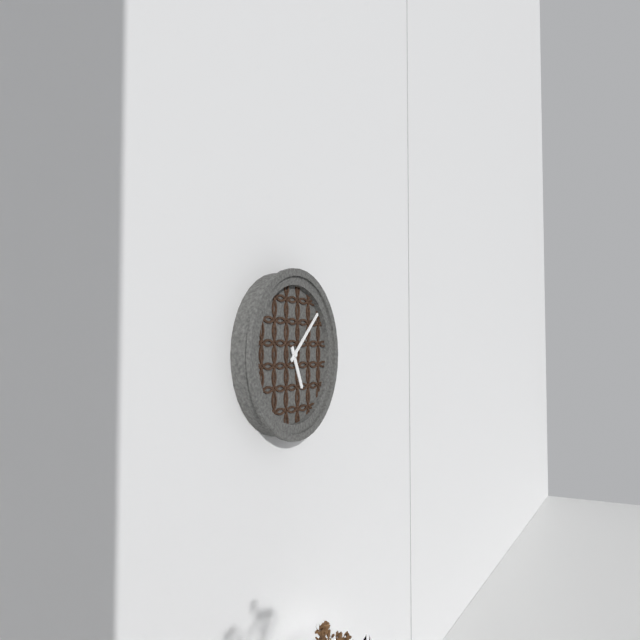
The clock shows 5.08
